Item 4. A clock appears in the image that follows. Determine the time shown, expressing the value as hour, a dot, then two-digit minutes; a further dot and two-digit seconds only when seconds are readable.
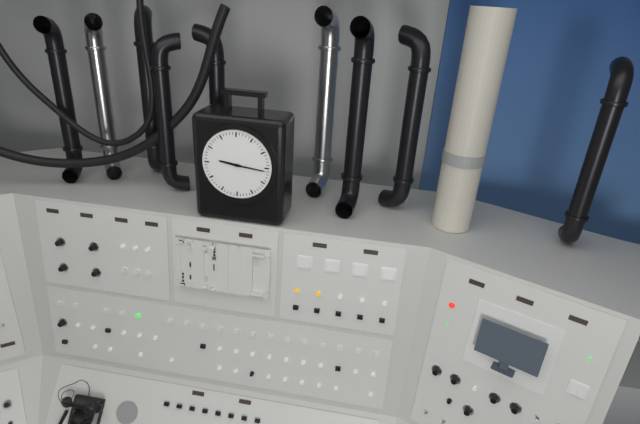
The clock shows 9.16
